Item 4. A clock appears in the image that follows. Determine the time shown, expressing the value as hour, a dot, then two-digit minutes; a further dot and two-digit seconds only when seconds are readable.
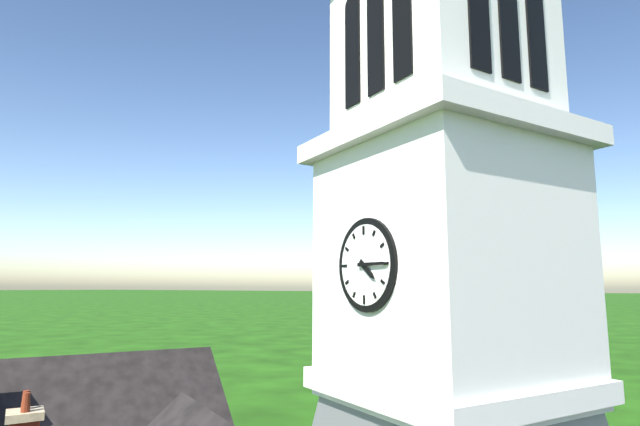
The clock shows 4.15
